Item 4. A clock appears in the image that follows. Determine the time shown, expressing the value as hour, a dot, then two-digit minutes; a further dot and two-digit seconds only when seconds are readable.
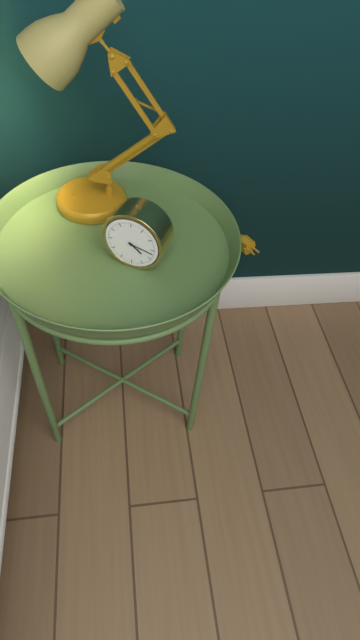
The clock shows 4.17
